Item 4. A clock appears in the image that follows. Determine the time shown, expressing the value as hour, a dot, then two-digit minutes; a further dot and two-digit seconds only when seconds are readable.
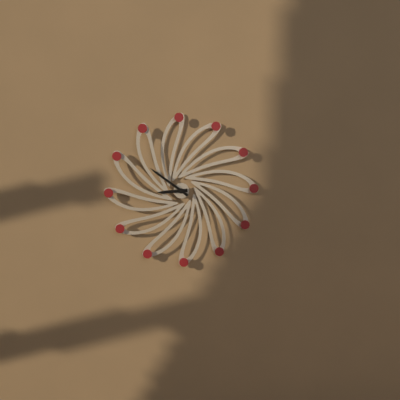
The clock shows 8.51
